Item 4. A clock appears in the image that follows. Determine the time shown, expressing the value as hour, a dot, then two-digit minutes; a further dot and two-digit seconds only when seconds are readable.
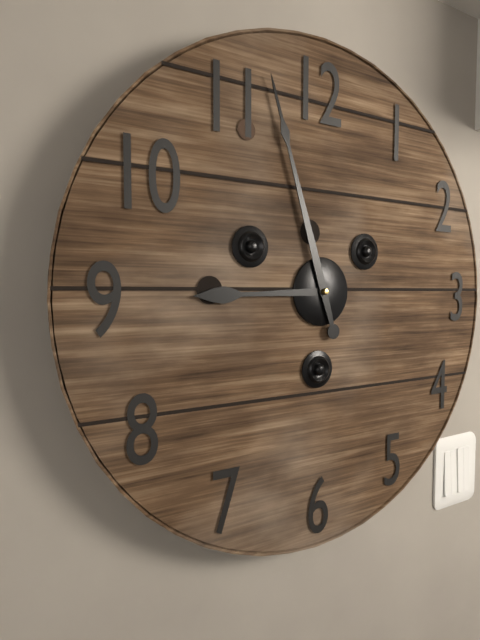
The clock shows 8.57
